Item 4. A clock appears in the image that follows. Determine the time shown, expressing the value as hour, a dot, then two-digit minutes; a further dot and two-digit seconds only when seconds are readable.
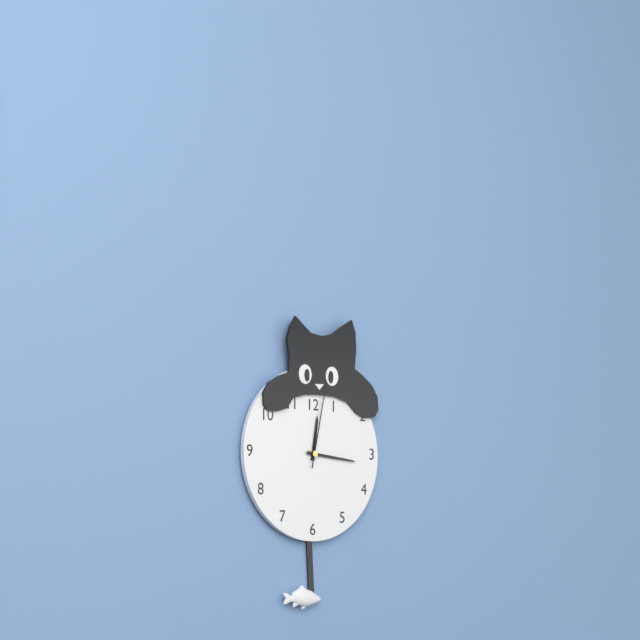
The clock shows 12.16.02
